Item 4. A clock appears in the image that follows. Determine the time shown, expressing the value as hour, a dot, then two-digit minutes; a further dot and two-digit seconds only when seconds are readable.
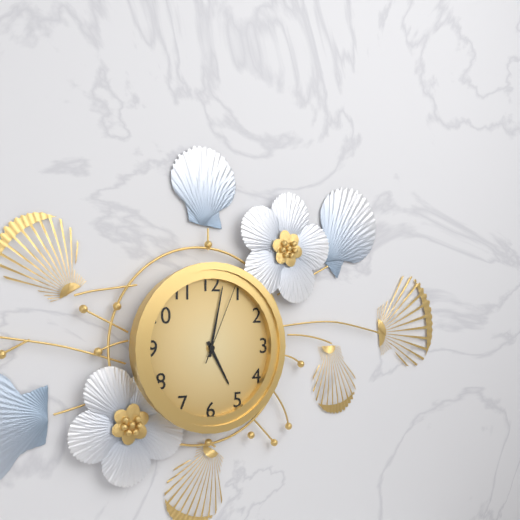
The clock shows 5.02.04
